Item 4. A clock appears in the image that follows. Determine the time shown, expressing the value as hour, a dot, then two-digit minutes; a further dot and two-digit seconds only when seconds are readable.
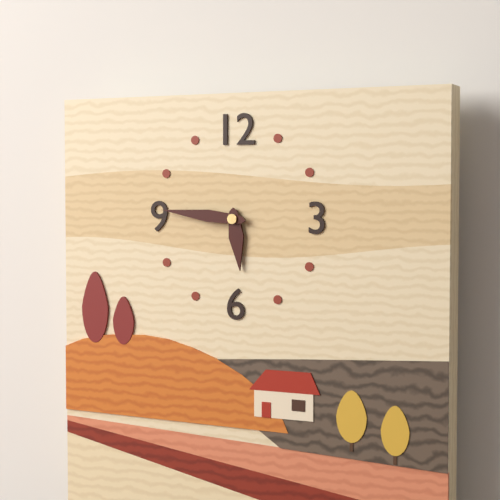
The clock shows 5.46
